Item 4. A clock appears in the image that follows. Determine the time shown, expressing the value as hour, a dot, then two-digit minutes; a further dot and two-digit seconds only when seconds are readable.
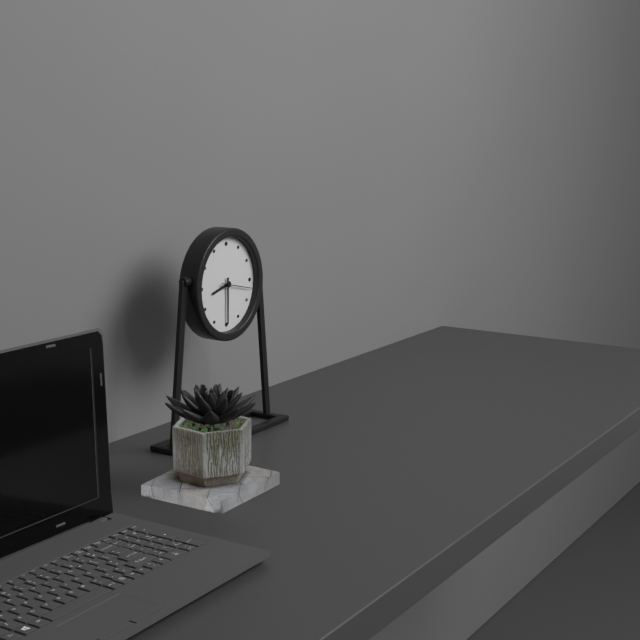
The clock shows 8.30
